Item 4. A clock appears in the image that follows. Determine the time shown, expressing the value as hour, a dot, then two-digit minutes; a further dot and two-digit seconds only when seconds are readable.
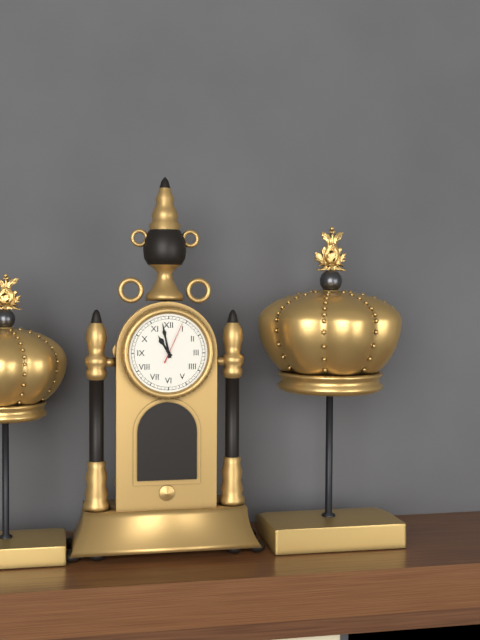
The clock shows 10.58
